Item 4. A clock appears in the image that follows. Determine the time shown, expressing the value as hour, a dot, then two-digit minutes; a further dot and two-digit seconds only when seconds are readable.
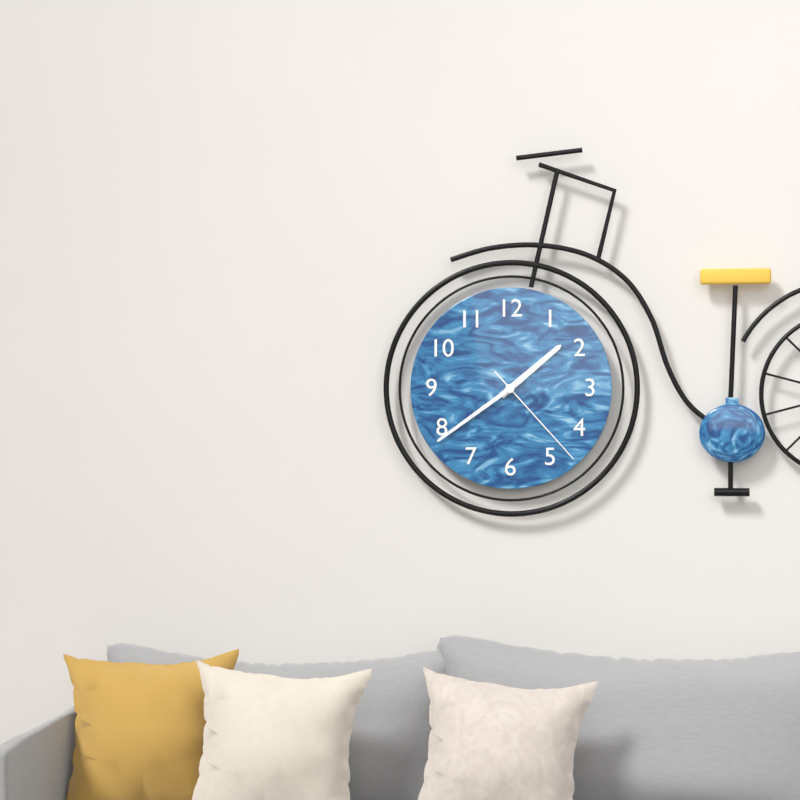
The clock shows 1.39.23
